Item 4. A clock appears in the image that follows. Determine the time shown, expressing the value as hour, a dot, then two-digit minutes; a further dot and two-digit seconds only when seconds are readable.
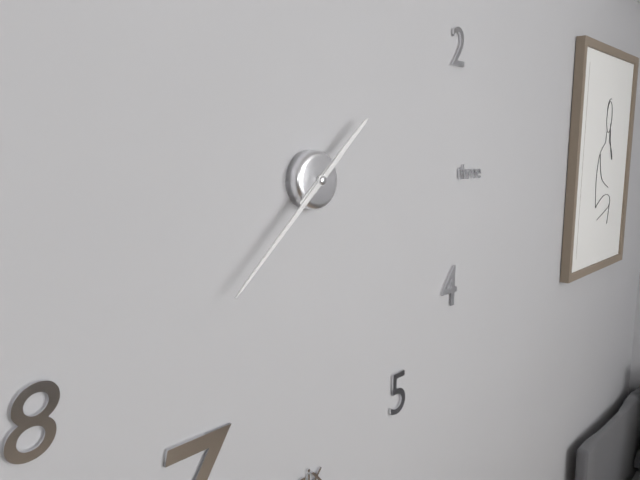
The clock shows 1.38
